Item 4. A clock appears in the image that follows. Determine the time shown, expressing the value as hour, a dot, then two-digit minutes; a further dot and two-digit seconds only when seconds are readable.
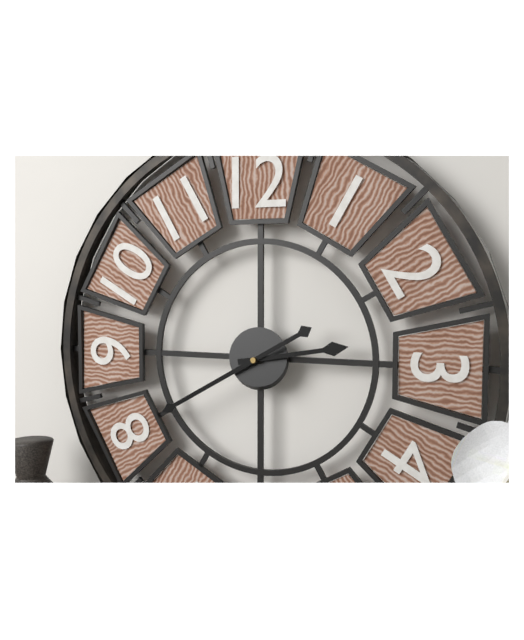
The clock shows 2.40
